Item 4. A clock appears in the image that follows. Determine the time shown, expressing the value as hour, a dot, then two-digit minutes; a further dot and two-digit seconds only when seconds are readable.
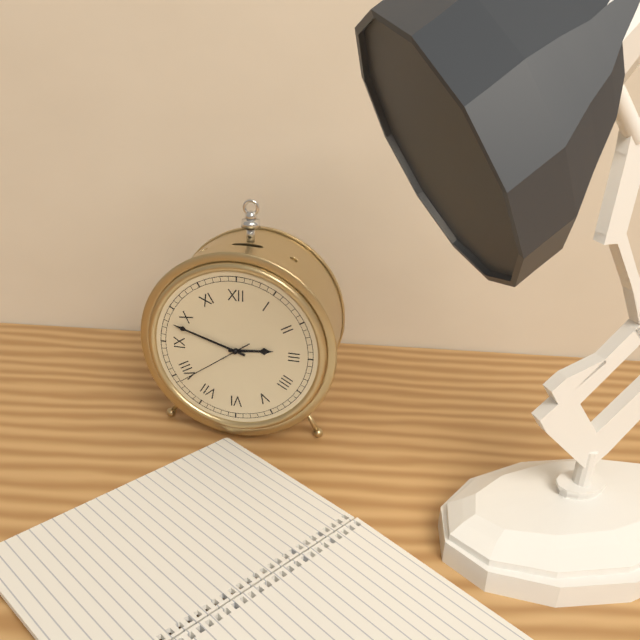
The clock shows 2.48.39
